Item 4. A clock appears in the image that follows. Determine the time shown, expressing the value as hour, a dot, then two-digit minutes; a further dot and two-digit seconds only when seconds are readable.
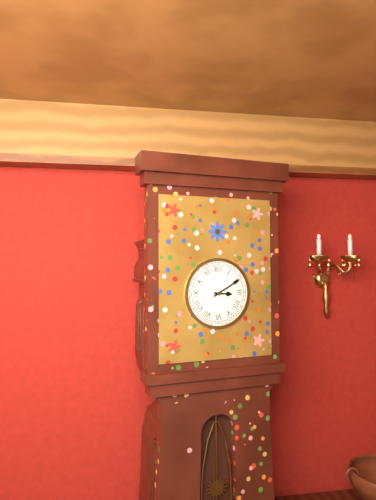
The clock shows 3.10
